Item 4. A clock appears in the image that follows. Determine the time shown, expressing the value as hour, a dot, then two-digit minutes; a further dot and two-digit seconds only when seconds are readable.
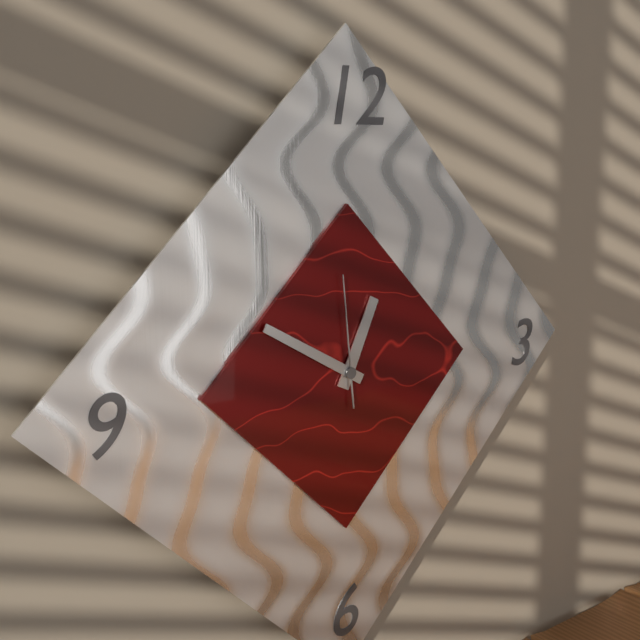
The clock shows 12.50.59
